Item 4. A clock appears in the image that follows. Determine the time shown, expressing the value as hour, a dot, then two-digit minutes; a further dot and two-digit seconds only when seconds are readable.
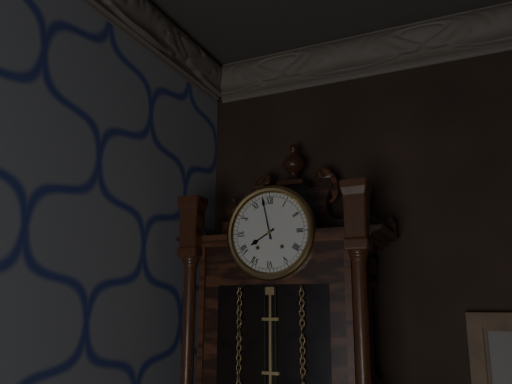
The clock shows 7.58
